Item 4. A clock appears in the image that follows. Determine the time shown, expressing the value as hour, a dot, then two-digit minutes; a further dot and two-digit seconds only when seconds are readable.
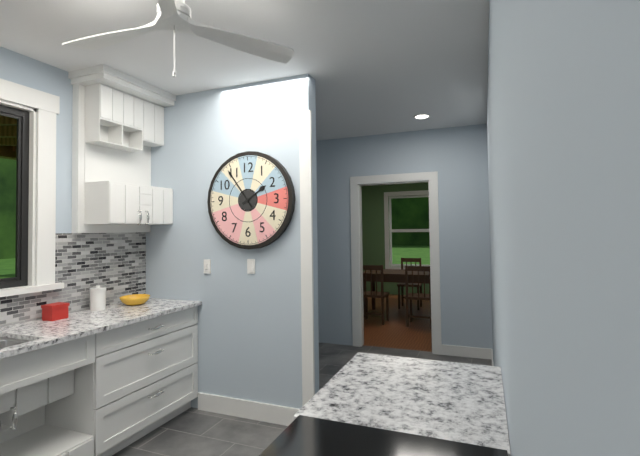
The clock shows 1.54
